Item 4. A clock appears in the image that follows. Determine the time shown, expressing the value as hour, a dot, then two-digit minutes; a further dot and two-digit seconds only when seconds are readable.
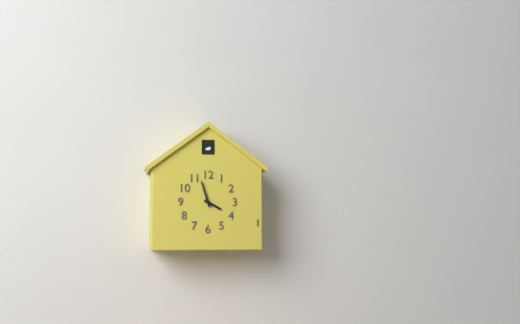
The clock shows 3.57
